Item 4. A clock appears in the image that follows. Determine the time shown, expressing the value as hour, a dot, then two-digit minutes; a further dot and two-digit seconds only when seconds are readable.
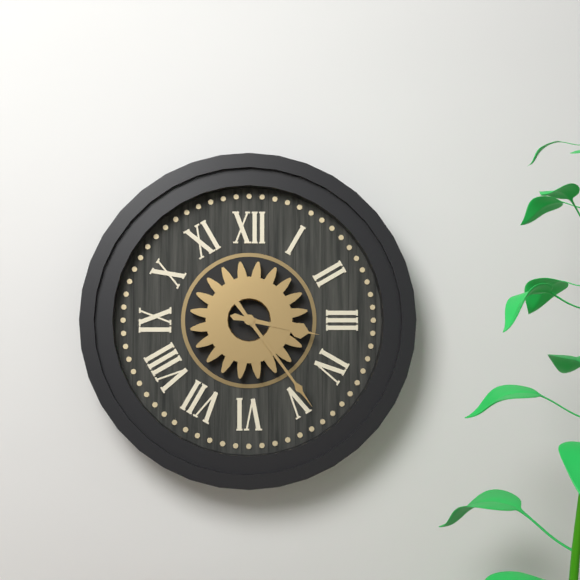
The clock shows 3.24
